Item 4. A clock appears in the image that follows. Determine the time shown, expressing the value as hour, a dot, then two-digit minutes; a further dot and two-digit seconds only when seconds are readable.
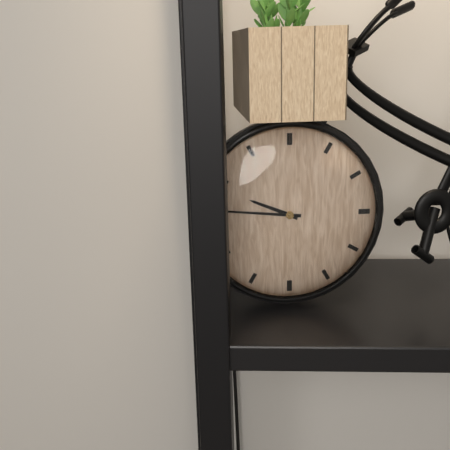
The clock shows 9.46
